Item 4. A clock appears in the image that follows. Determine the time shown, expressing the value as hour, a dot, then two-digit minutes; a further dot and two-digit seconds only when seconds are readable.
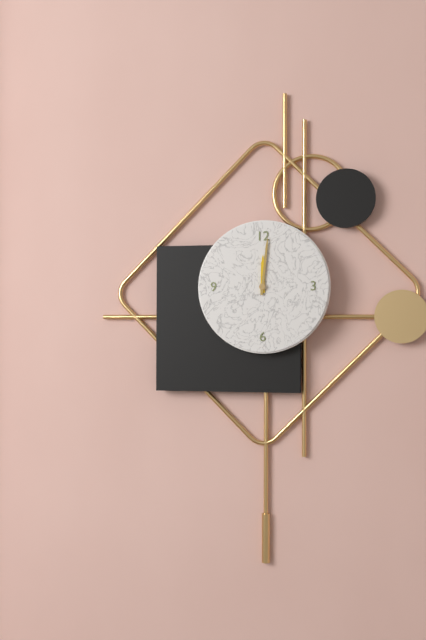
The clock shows 12.01
